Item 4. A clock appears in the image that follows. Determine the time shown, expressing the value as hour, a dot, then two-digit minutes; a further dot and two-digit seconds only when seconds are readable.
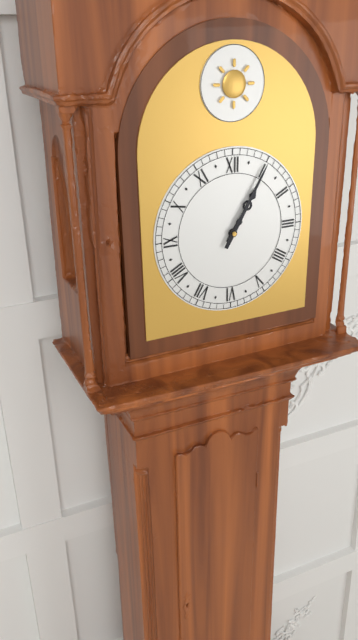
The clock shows 1.05
